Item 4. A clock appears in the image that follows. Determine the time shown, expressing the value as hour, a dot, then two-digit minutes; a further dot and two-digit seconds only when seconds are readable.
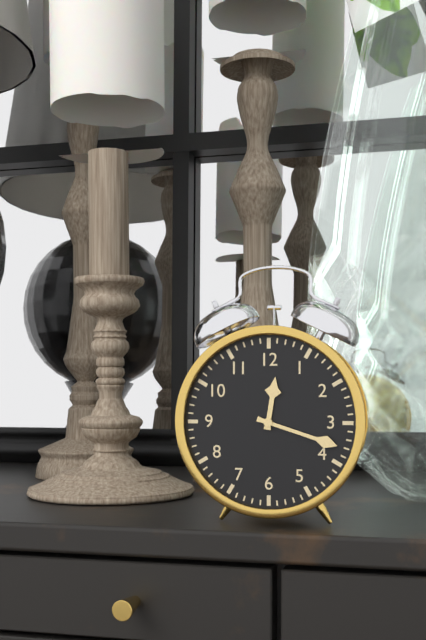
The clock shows 12.18
